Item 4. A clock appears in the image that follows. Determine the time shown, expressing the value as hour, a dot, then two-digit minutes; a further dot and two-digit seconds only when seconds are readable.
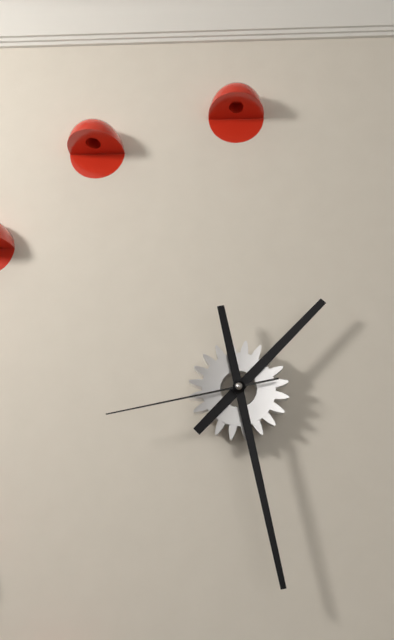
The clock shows 1.28.43
